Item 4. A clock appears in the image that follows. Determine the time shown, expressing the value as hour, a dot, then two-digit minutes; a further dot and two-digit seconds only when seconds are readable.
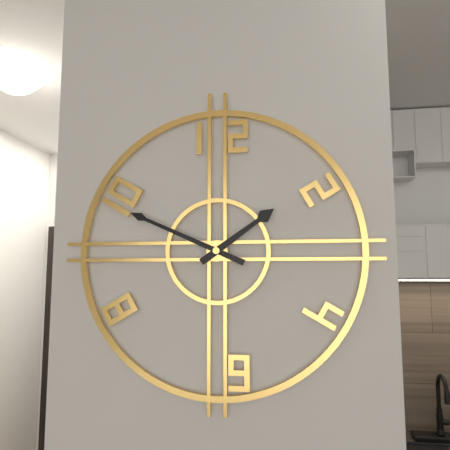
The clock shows 1.49
